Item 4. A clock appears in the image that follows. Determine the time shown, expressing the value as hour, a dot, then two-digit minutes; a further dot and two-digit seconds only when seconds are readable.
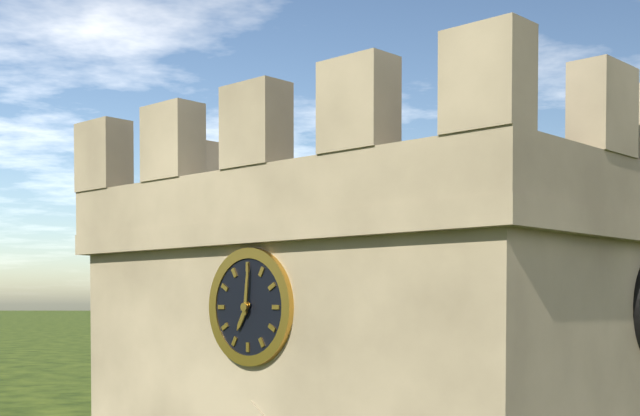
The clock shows 7.01
